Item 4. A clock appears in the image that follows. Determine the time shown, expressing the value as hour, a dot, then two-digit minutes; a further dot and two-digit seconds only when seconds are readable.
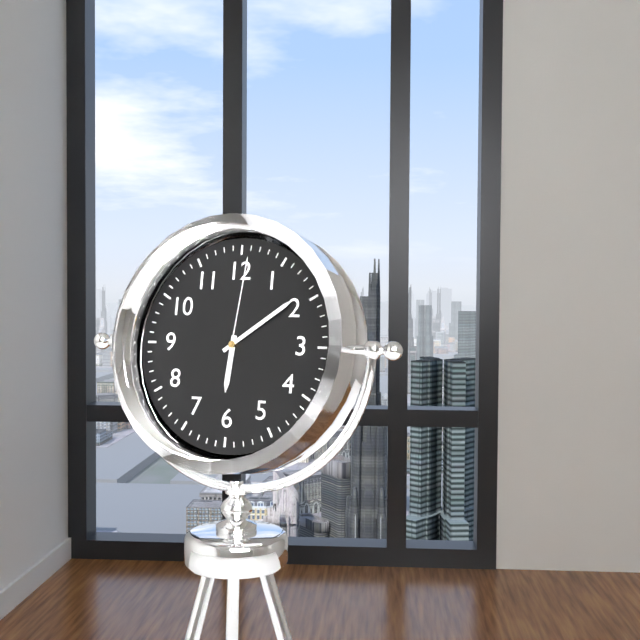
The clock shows 6.09.01
